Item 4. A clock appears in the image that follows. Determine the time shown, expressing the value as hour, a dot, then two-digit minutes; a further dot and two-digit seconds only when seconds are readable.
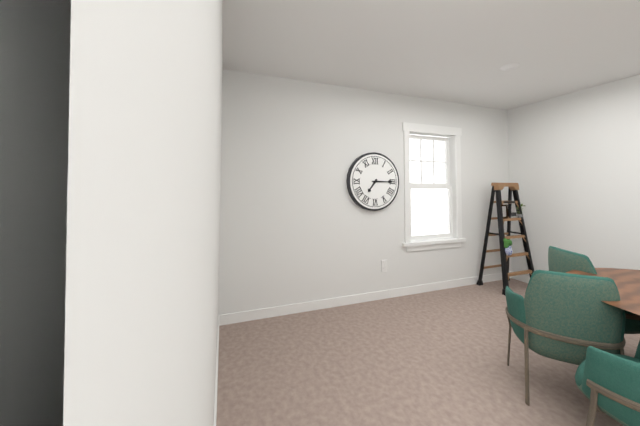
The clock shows 7.15
